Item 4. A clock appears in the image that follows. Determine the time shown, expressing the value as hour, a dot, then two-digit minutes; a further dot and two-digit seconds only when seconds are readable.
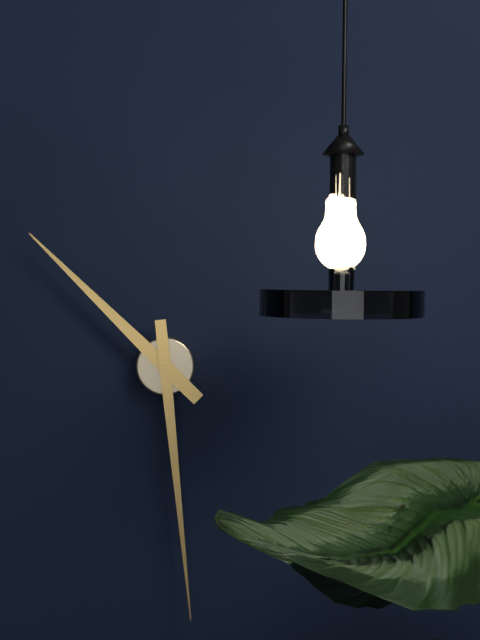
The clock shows 10.29
